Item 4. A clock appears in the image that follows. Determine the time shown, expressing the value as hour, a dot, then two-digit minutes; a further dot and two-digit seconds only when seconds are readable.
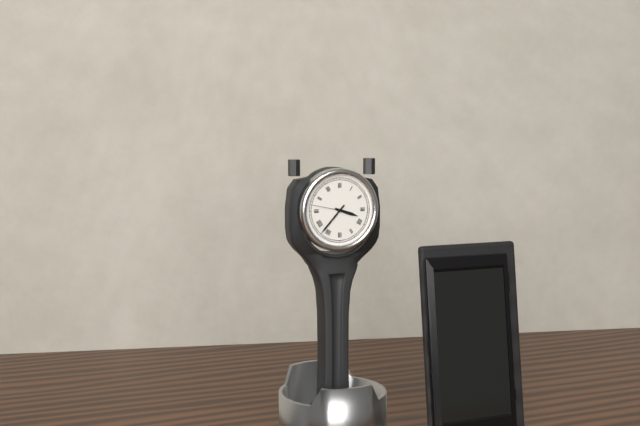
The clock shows 3.37
